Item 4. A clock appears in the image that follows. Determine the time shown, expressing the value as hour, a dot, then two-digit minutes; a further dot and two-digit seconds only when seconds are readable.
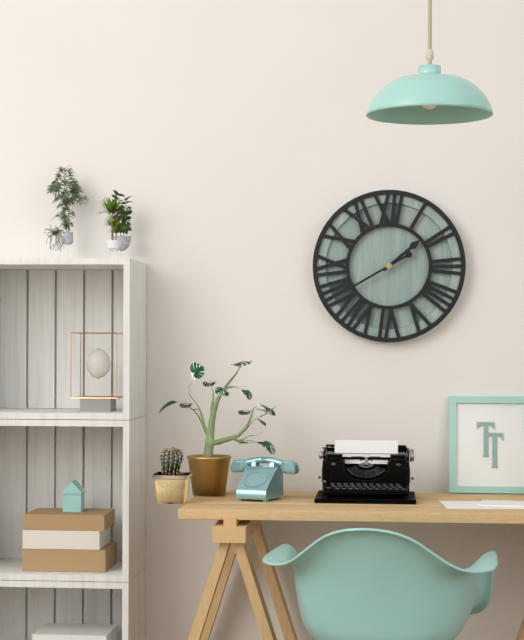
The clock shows 1.40
